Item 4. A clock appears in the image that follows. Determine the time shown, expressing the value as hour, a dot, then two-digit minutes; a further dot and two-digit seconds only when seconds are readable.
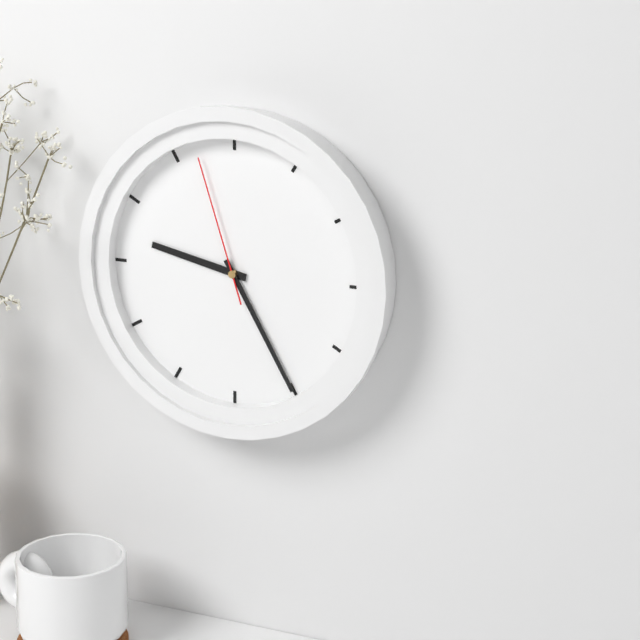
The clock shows 9.25.57
